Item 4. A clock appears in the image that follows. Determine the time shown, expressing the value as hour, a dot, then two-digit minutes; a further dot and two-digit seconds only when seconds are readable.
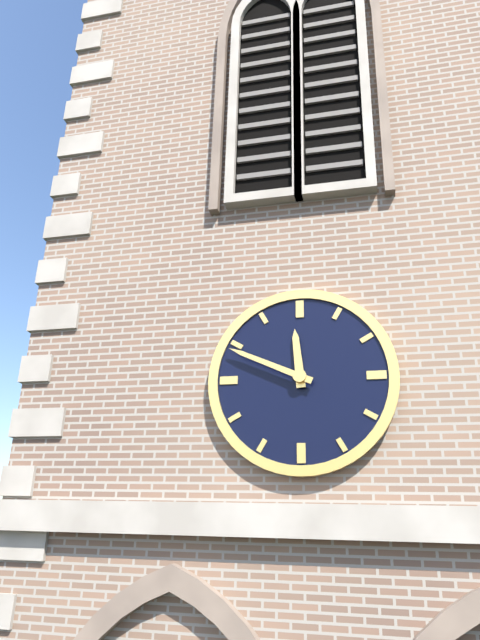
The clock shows 11.49
